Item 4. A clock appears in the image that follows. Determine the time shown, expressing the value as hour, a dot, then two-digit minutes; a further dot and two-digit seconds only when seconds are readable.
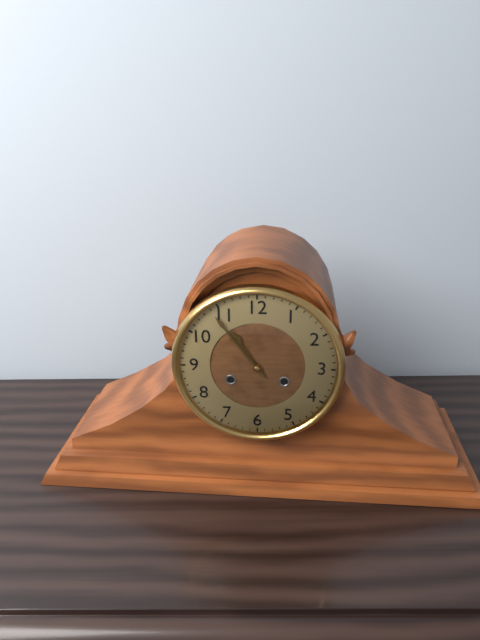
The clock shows 10.54
